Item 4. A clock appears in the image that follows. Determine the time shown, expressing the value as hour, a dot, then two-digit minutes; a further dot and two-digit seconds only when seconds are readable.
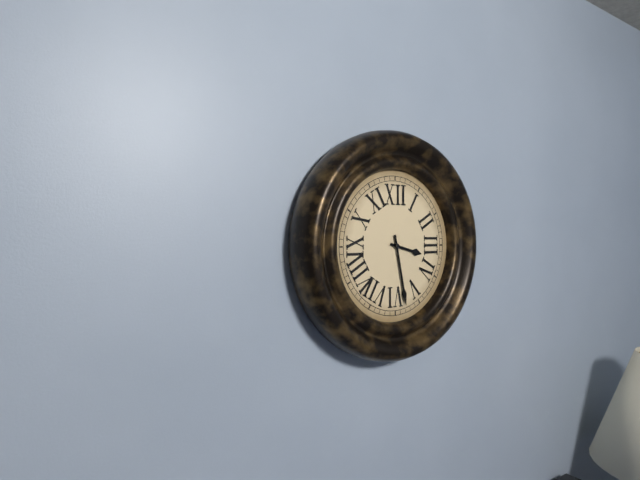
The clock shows 3.28
